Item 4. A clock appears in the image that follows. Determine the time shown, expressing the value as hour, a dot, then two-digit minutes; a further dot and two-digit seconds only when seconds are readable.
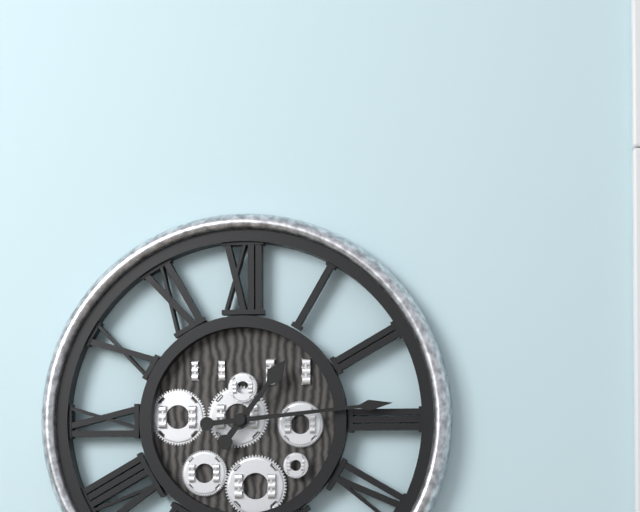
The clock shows 1.14
